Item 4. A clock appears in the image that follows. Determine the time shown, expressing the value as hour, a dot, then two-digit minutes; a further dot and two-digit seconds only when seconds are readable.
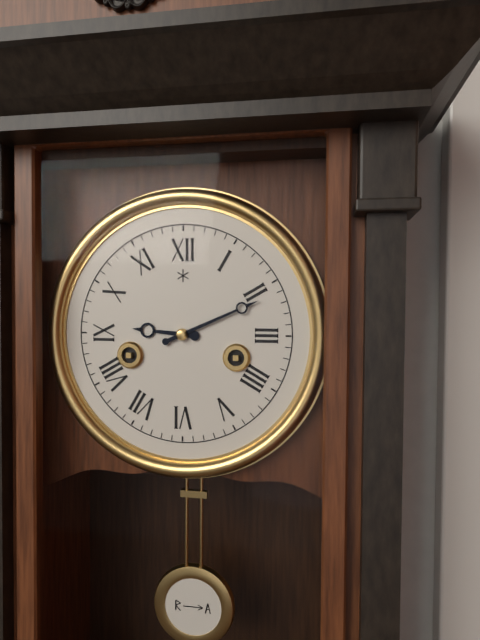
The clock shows 9.11
